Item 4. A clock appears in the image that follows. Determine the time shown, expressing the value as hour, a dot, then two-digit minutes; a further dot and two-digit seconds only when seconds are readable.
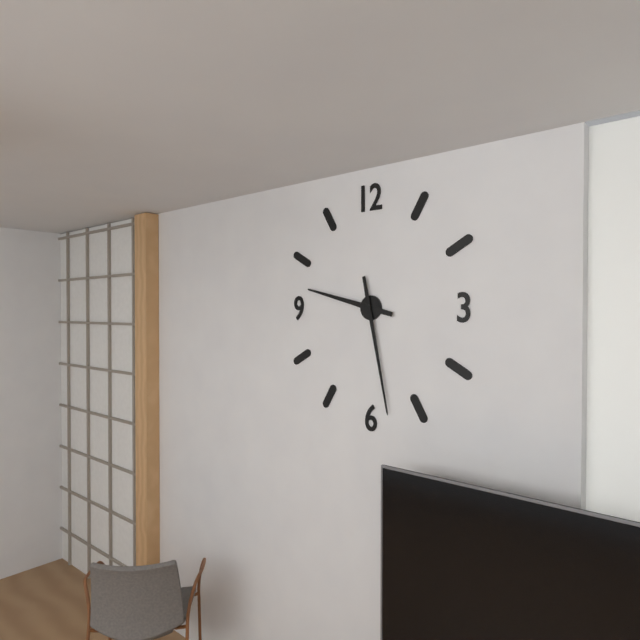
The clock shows 9.28
